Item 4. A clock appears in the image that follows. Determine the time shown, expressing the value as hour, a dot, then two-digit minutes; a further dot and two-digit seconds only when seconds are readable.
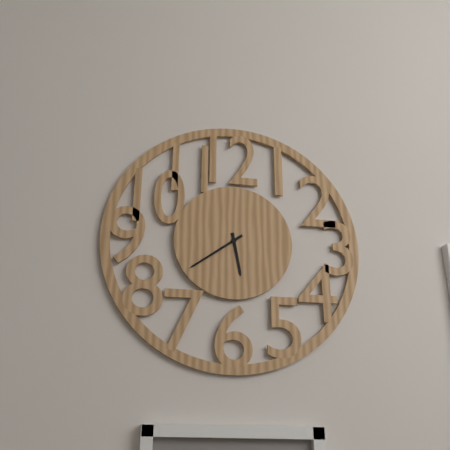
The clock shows 5.39
